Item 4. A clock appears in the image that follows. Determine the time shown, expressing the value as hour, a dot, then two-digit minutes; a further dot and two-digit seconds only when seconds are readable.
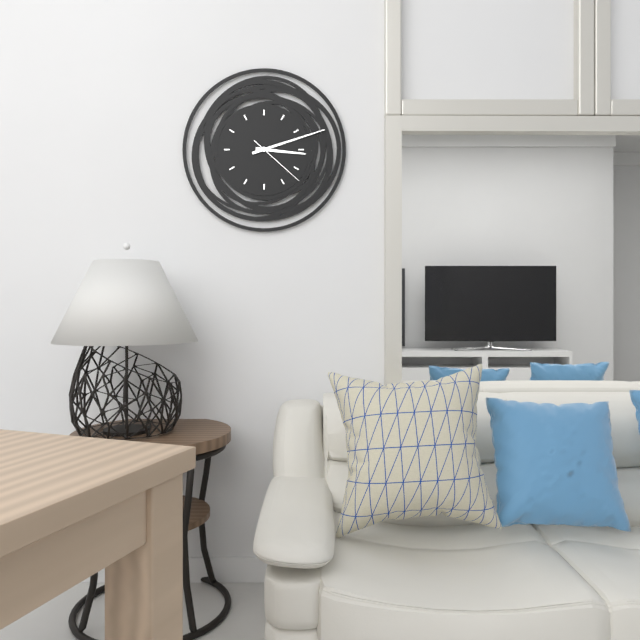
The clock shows 3.12.22
